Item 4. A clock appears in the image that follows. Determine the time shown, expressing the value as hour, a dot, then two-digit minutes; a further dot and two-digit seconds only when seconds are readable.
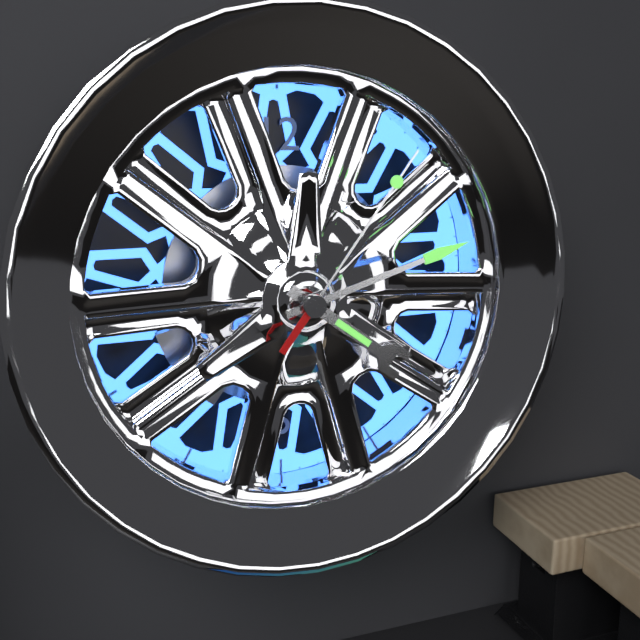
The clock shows 4.12.06
